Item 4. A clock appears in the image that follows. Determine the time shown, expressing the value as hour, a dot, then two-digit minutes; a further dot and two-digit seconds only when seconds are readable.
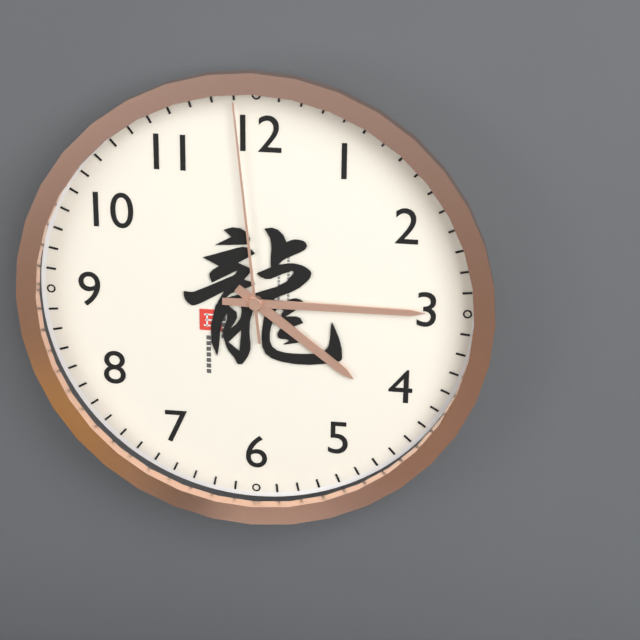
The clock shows 4.15.59
